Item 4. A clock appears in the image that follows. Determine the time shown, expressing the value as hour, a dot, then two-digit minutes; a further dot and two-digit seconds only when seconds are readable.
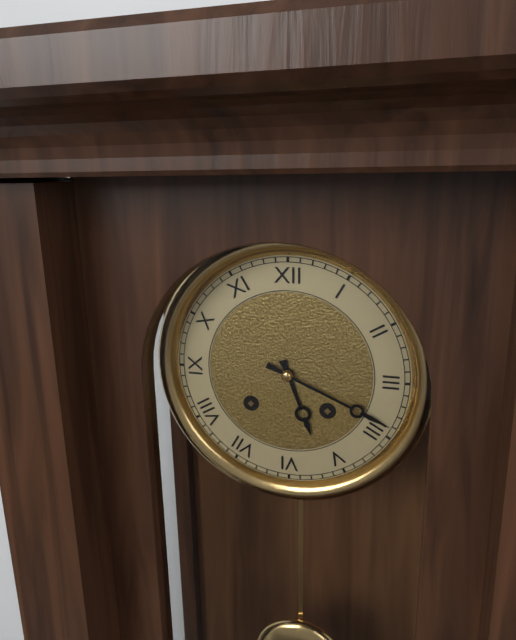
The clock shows 5.19
